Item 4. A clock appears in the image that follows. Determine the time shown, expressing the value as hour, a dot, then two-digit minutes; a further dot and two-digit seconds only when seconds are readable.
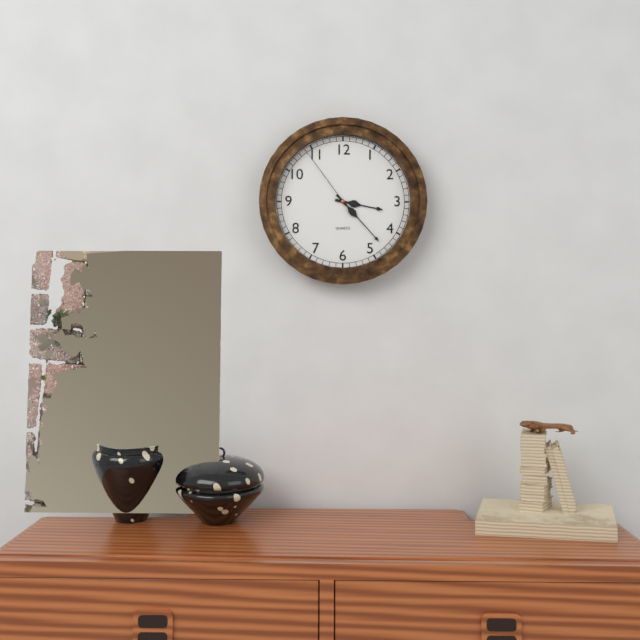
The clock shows 3.23.54
